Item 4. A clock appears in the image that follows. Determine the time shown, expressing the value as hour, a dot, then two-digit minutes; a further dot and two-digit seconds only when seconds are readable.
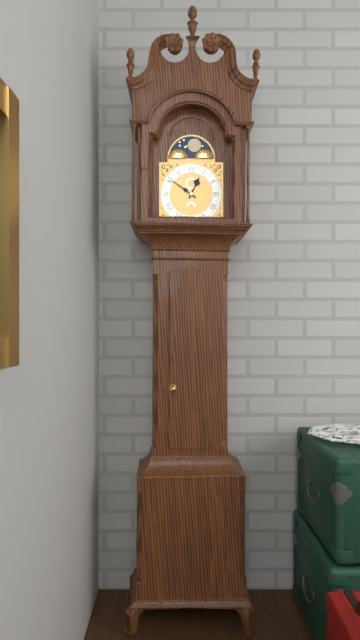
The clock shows 12.51
